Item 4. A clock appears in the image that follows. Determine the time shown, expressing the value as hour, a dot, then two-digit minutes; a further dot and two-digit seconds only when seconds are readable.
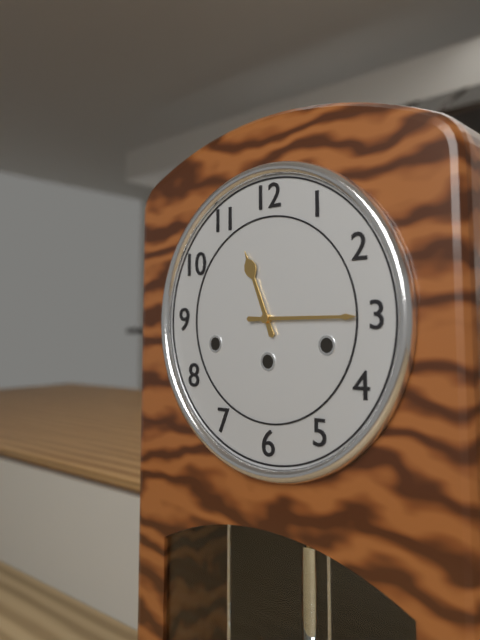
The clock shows 11.15
